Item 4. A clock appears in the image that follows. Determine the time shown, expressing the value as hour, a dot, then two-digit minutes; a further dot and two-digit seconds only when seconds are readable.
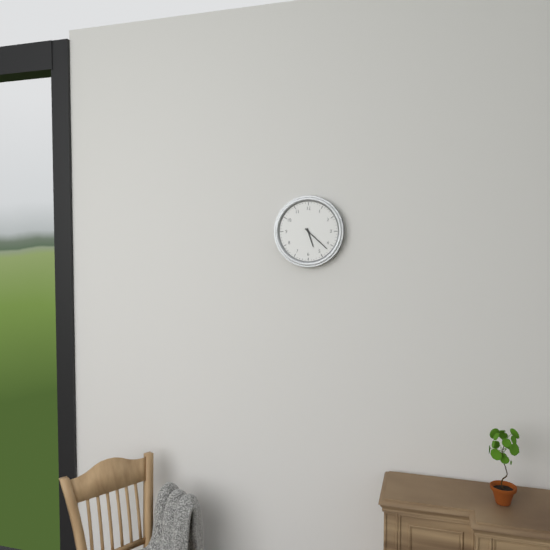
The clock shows 5.22
